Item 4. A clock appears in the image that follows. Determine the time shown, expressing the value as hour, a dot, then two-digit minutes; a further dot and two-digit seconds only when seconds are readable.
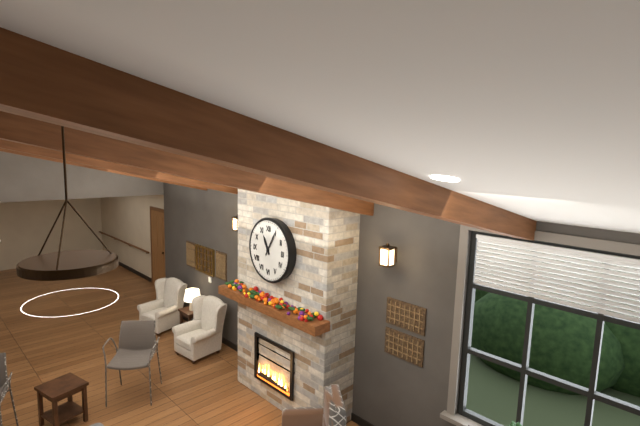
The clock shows 11.05
